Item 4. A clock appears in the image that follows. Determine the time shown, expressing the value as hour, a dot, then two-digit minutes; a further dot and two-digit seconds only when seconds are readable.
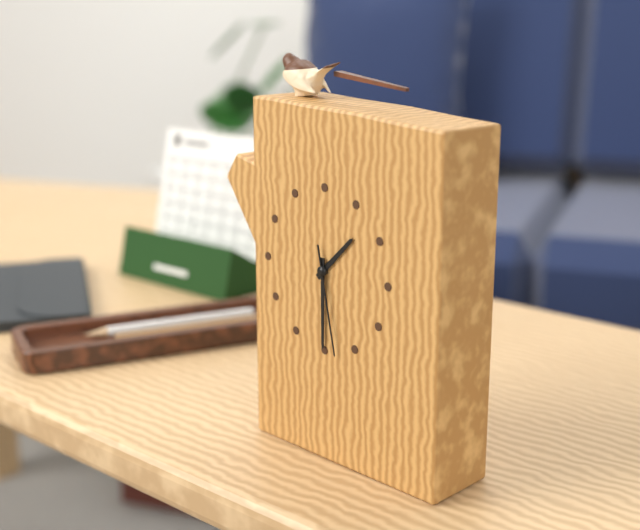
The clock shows 1.30.28
